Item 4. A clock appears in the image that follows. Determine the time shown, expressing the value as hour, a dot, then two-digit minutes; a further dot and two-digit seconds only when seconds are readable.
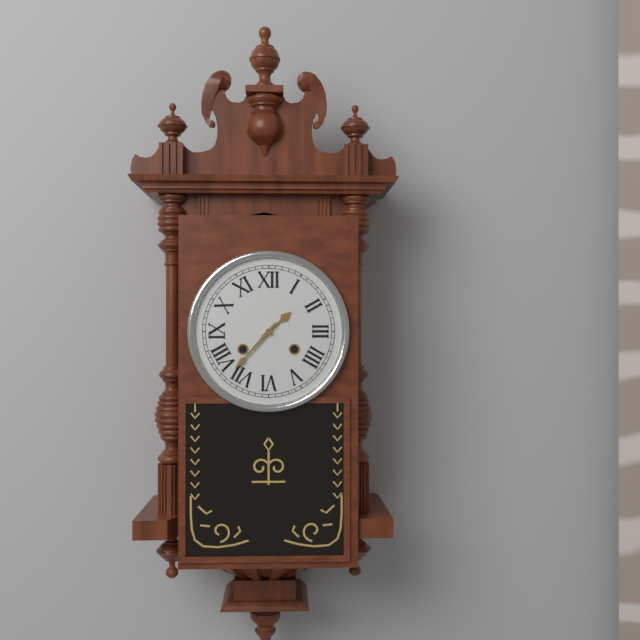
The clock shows 1.37
